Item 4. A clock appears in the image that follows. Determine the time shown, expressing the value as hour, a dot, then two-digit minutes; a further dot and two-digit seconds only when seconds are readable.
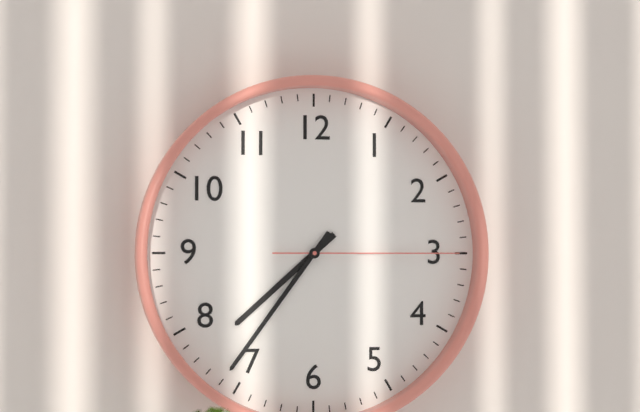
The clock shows 7.36.15
